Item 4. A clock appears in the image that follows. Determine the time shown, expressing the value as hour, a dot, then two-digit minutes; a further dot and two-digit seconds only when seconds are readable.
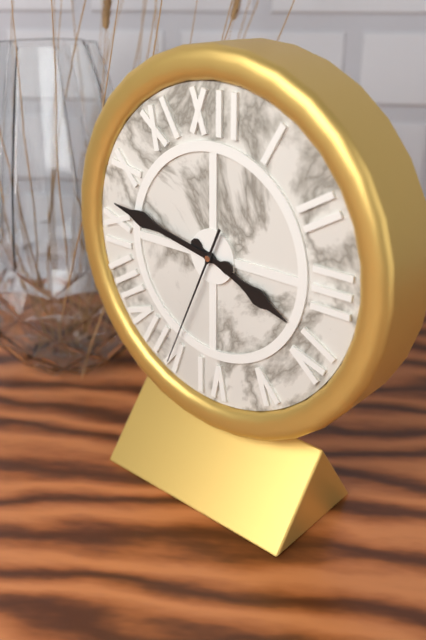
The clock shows 3.47.34
